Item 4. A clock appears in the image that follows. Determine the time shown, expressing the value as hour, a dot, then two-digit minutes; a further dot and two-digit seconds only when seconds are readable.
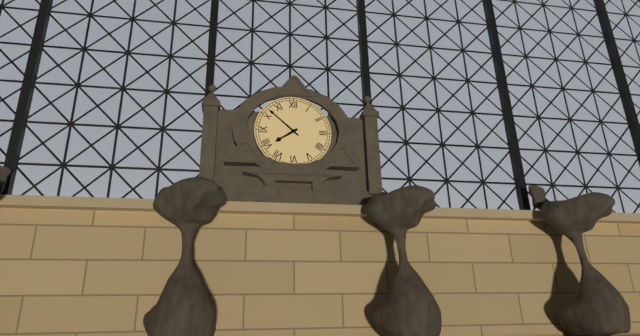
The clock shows 7.52
